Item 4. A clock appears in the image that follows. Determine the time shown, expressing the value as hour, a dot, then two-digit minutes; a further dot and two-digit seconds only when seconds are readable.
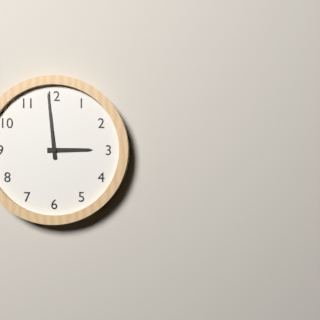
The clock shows 2.59
